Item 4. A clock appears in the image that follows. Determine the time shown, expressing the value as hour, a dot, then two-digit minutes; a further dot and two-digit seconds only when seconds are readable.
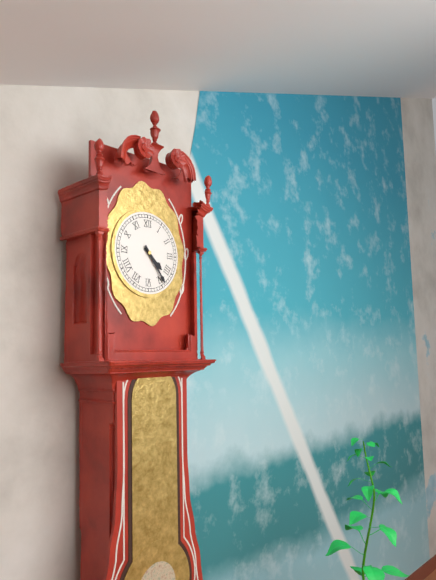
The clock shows 4.24
